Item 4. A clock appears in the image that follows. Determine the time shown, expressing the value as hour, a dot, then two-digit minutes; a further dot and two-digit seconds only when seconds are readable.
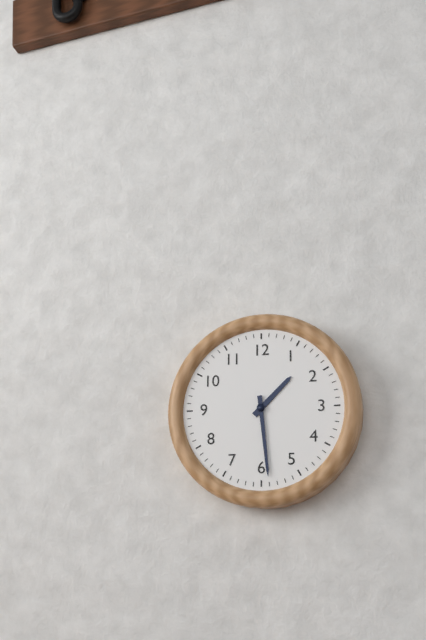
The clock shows 1.29
